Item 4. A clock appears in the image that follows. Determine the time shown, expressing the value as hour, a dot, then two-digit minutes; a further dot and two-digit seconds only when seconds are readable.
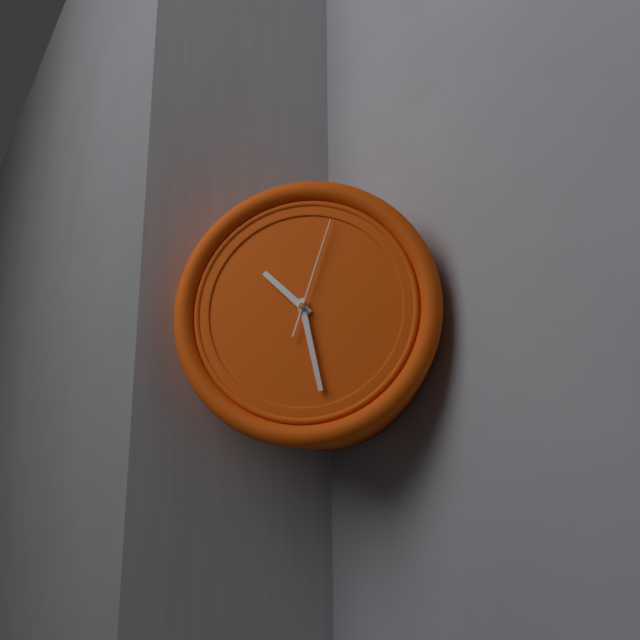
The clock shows 10.28.03
